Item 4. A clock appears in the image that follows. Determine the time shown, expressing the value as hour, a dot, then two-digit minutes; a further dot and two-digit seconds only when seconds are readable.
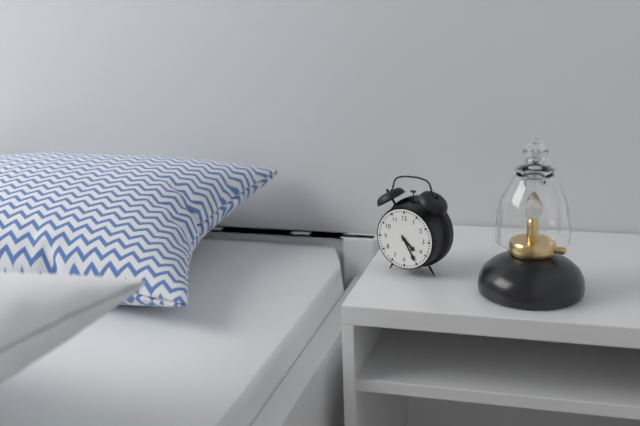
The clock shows 4.25
